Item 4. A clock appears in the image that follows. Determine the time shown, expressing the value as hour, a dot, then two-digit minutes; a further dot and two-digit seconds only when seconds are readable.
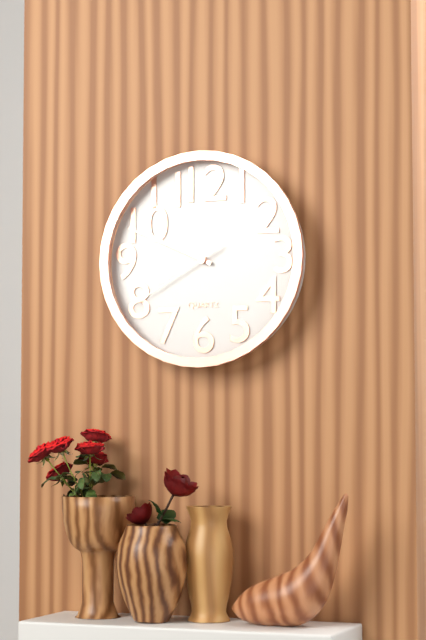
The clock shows 9.49.40
